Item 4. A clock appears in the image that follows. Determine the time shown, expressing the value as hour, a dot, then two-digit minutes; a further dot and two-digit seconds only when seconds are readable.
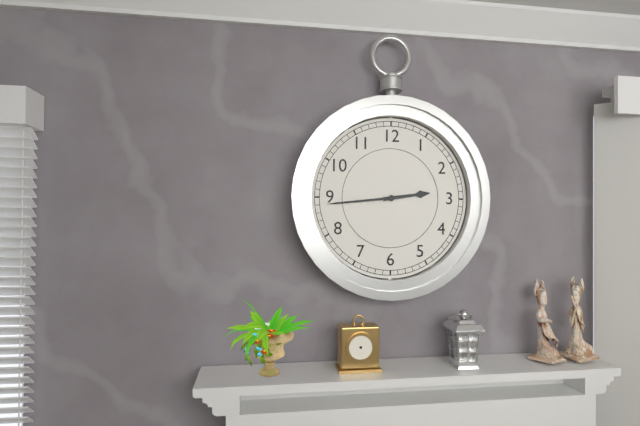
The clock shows 2.44
